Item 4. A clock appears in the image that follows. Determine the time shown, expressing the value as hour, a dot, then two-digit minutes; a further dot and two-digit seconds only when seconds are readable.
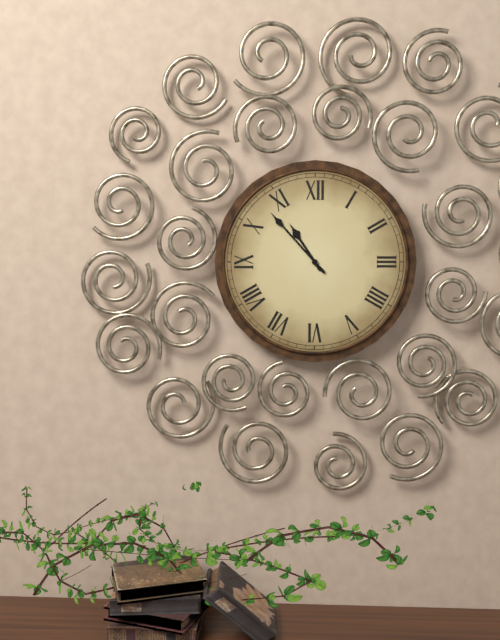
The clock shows 10.53
